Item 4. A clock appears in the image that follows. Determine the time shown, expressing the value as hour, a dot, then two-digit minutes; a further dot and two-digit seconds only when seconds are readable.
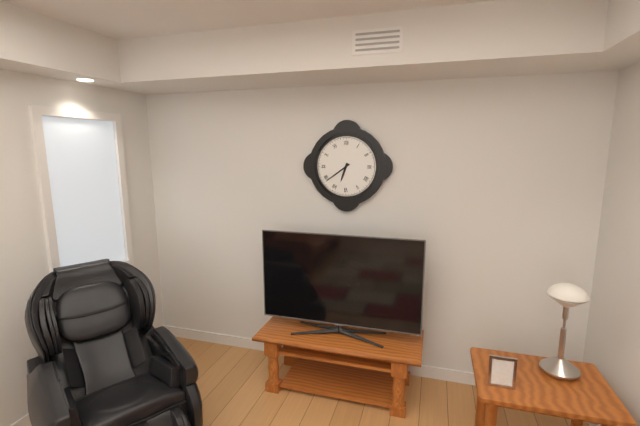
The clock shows 6.39
